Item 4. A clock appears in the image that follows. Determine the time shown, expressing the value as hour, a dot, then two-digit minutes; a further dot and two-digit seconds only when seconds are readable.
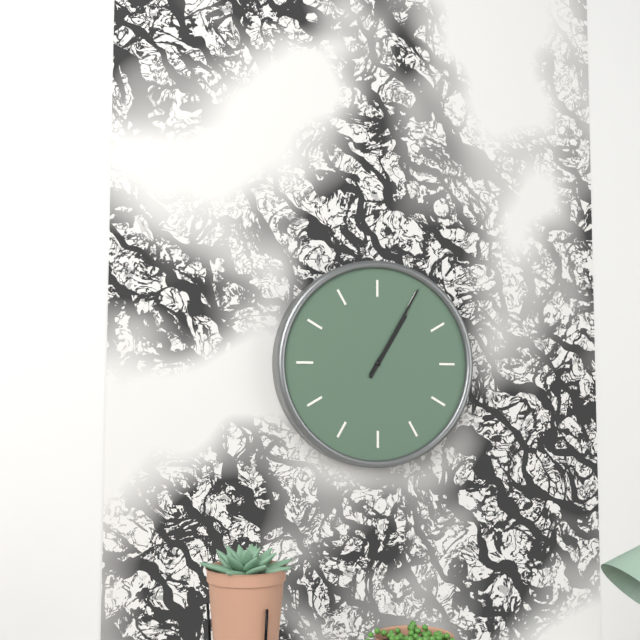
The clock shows 1.05
